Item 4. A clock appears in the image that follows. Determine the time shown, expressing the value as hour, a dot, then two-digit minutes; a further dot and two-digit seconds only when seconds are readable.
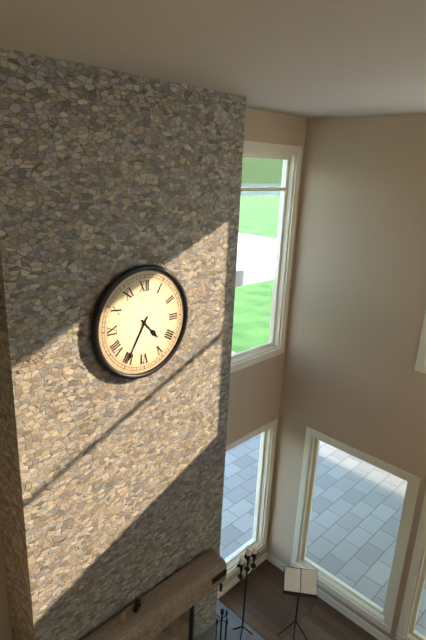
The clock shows 4.35
